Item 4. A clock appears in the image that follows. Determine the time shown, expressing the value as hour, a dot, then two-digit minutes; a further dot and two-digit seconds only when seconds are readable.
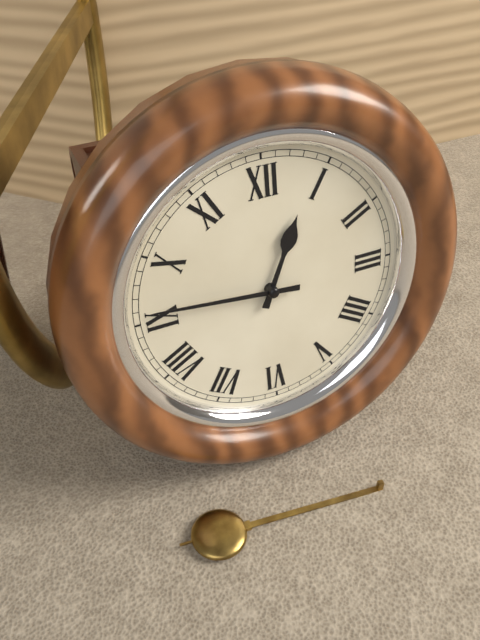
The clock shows 12.46
